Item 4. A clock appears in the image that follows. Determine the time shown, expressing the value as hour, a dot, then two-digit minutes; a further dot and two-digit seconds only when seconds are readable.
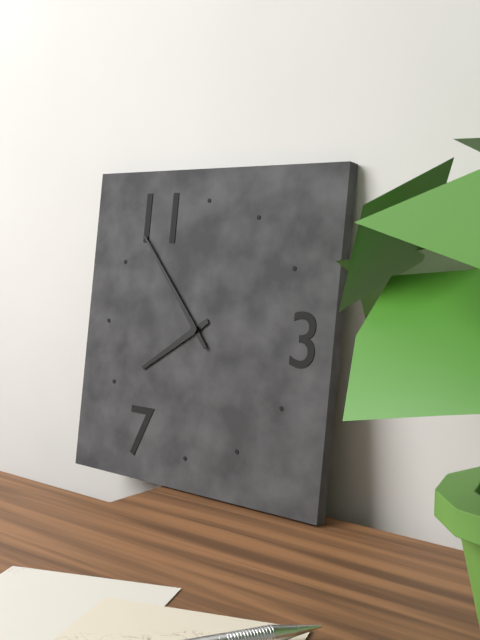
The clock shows 7.53
